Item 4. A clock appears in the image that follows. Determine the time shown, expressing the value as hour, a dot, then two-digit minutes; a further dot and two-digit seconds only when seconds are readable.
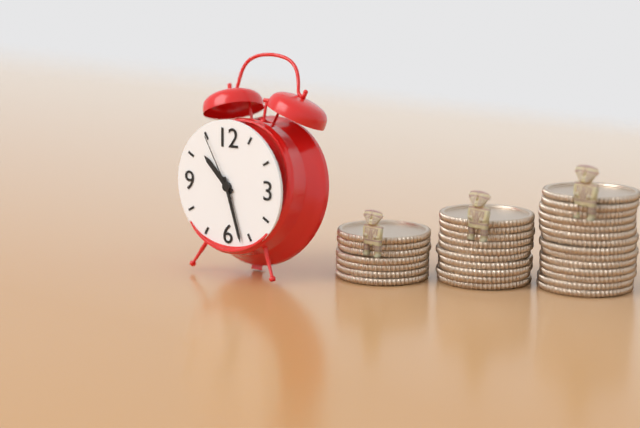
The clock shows 10.27.55
